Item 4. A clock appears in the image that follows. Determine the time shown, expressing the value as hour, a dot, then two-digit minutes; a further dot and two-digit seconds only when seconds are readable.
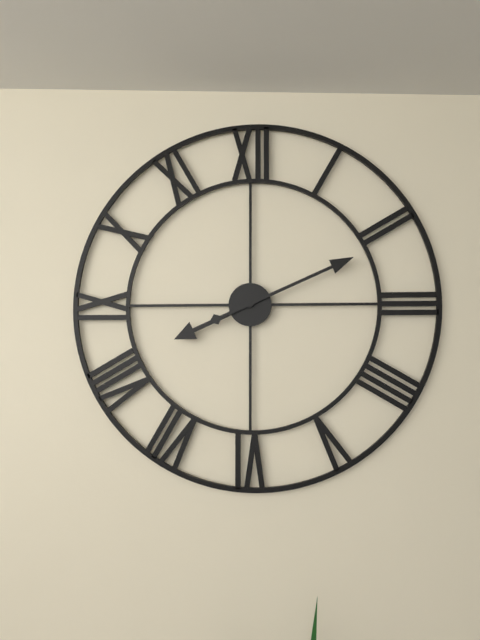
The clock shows 8.11
